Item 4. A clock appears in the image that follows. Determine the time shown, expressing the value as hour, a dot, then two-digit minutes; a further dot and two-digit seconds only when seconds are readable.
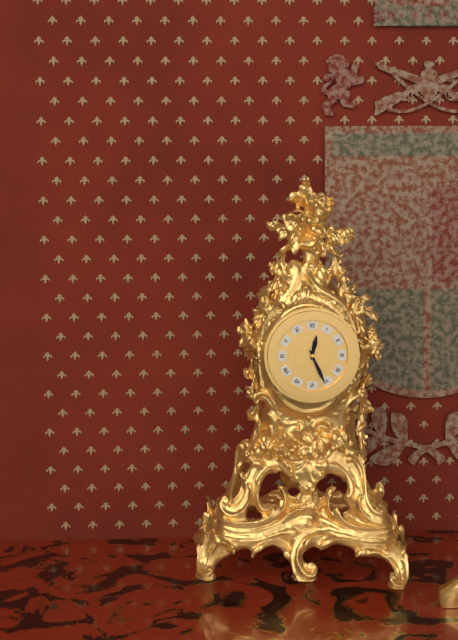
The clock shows 12.26
